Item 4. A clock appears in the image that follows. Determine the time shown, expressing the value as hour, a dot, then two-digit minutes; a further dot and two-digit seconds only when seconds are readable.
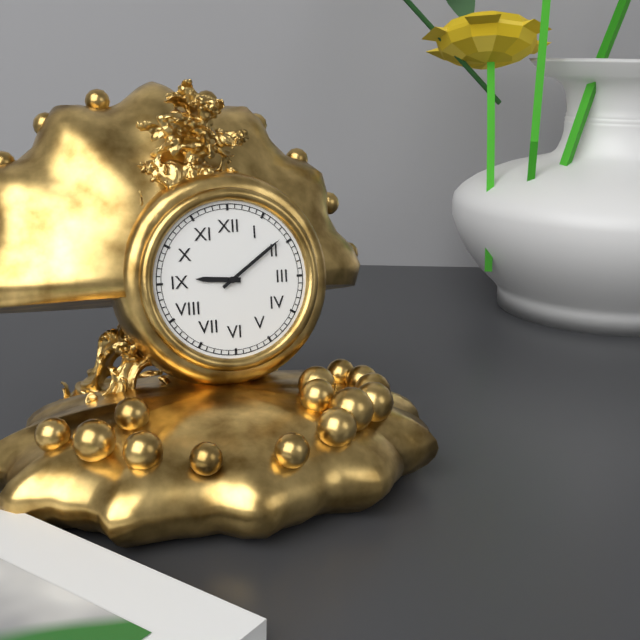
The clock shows 9.09
